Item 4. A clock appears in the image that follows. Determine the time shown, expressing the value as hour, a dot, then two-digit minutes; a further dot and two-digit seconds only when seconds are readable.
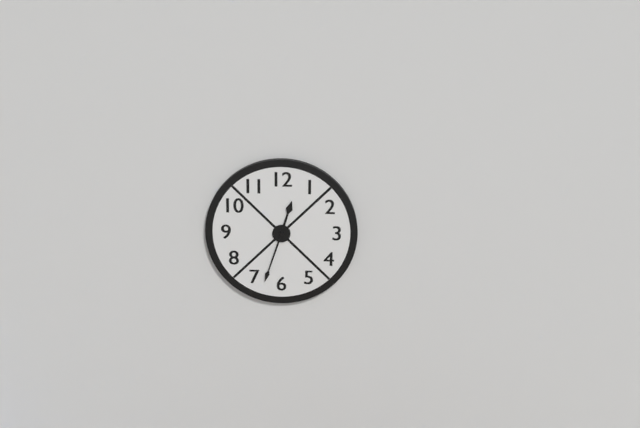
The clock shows 12.33
